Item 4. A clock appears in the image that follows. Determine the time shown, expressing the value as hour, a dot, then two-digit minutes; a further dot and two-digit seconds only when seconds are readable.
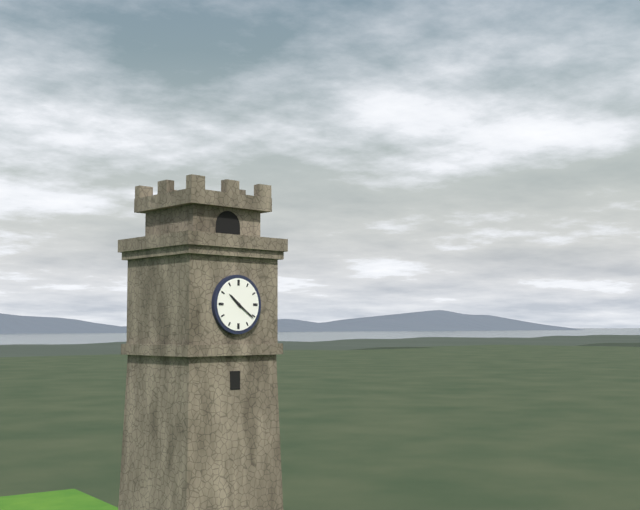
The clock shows 10.21
